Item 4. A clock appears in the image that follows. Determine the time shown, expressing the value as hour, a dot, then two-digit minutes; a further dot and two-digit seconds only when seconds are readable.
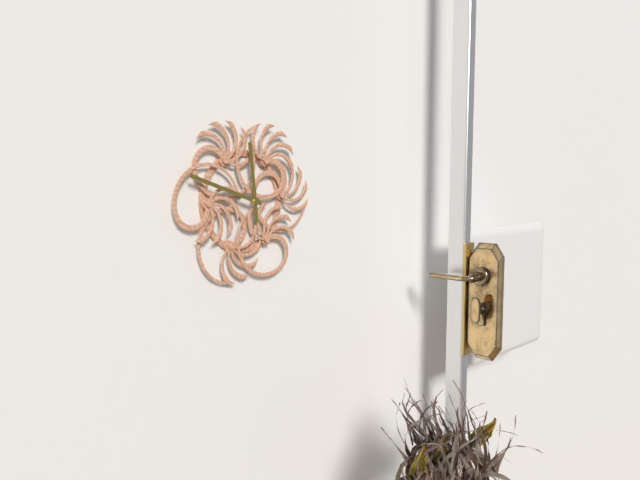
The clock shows 11.48
